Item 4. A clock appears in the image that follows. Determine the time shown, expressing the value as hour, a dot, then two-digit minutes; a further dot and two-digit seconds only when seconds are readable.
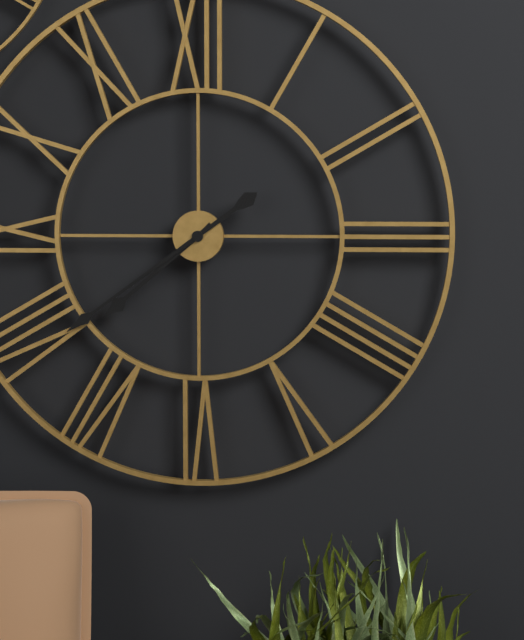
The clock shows 7.39
